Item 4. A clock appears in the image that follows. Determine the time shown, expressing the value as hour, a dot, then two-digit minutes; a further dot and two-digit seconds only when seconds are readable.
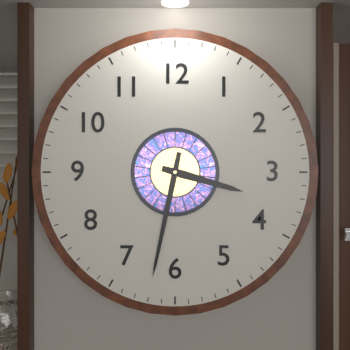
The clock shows 3.32
